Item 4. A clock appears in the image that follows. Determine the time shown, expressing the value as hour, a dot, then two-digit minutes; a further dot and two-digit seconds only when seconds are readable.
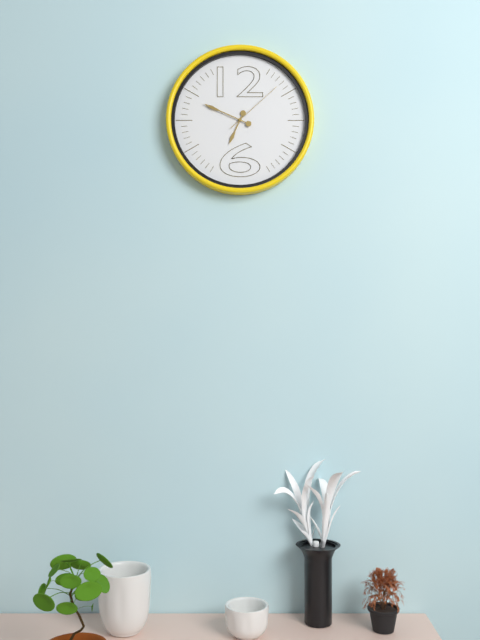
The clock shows 6.49.08
